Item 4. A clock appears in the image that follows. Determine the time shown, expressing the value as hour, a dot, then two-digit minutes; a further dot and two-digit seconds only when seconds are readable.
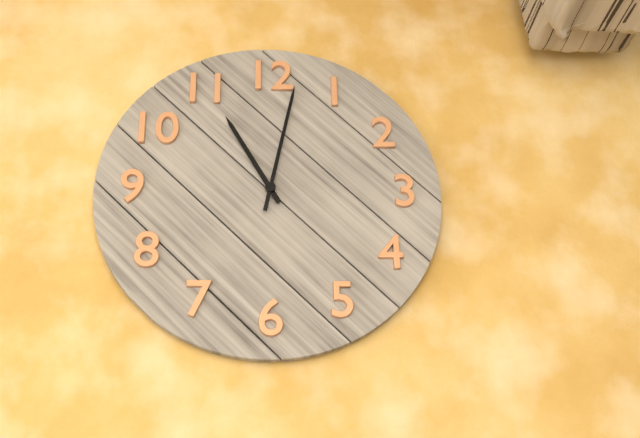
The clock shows 11.02
